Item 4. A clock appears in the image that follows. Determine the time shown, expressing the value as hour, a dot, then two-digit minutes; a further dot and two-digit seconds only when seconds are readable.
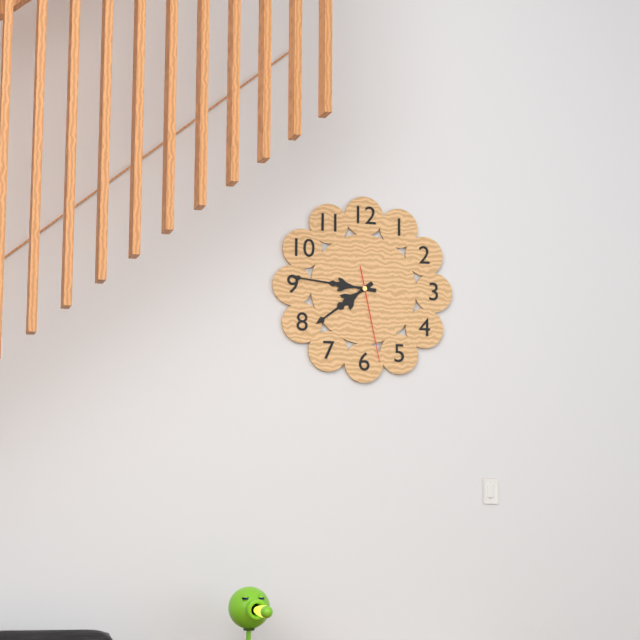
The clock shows 7.46.28
